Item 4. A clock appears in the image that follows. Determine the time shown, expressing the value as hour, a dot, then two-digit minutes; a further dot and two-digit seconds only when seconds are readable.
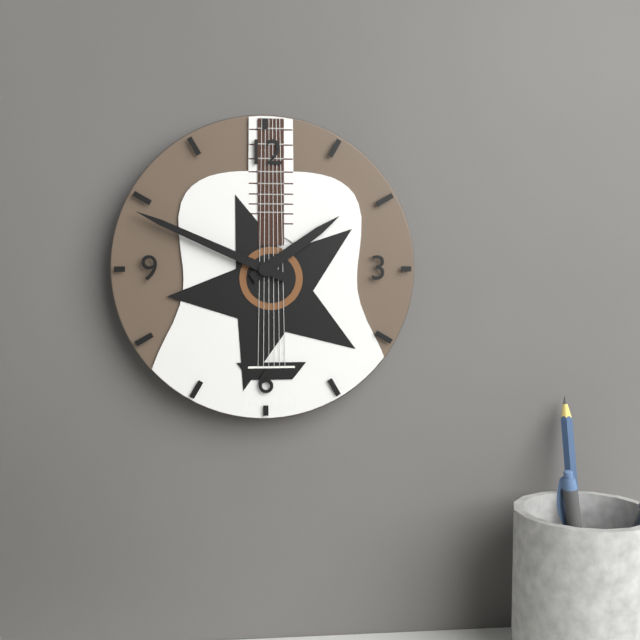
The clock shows 1.49
